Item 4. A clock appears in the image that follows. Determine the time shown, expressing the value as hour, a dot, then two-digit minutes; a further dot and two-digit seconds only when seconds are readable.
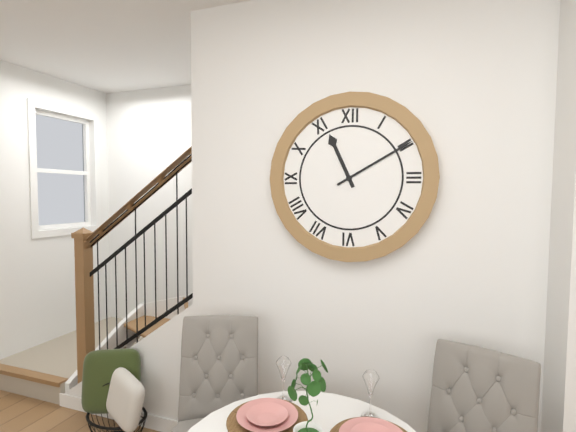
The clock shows 11.10
